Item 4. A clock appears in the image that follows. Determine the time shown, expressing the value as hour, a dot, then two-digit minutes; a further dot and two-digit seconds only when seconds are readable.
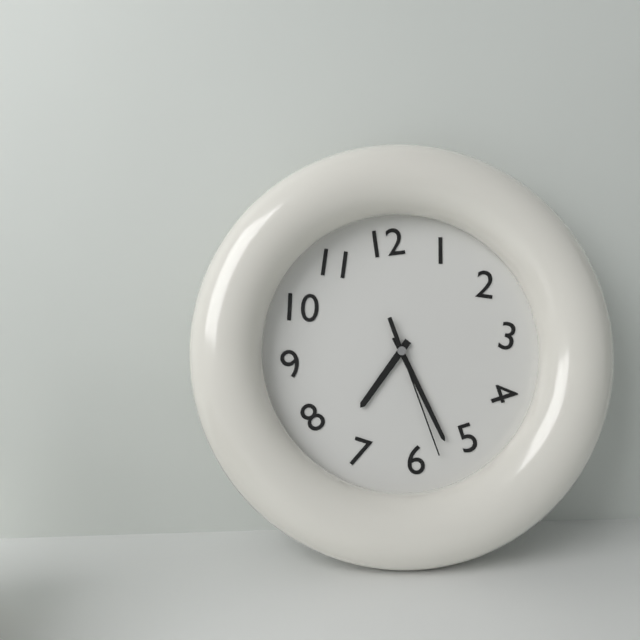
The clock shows 7.27.28
